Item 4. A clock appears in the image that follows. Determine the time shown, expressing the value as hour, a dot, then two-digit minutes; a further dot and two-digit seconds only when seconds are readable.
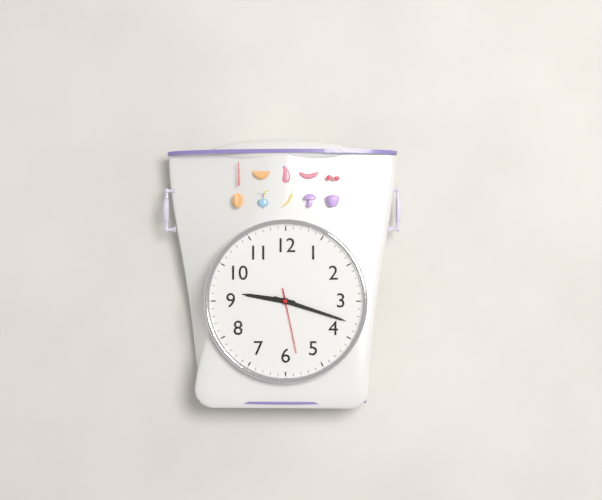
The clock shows 9.18.28
